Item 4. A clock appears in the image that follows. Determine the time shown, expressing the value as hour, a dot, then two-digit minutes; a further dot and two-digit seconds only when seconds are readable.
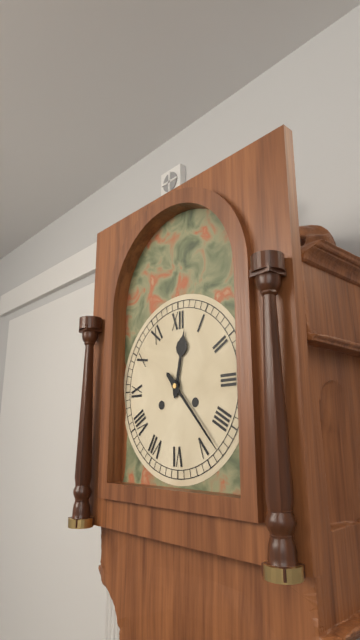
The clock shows 12.23
